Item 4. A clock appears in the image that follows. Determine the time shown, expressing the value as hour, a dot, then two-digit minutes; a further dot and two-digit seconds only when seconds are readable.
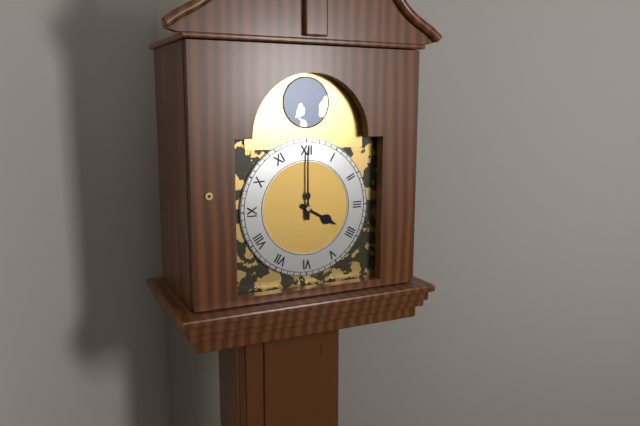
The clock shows 4.00
